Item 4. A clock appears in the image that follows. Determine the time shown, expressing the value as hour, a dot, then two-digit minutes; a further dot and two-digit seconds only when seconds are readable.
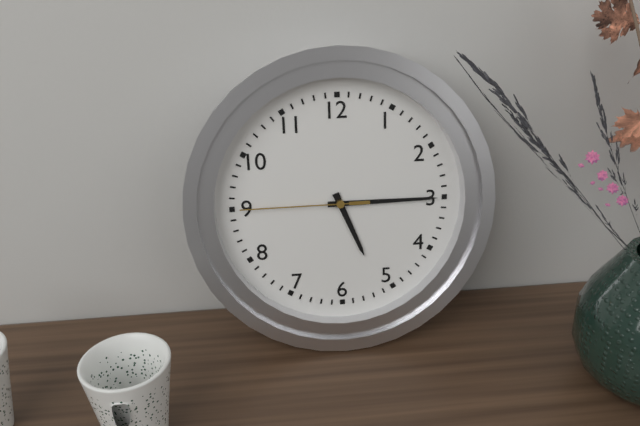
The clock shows 5.15.45
